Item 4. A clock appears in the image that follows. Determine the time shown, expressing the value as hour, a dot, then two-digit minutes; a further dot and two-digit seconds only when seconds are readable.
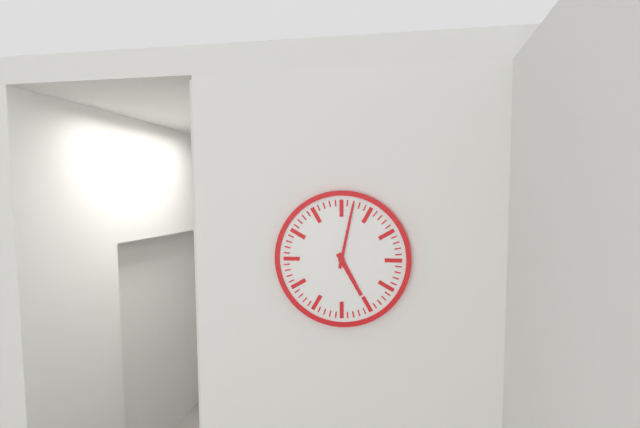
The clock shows 5.02
